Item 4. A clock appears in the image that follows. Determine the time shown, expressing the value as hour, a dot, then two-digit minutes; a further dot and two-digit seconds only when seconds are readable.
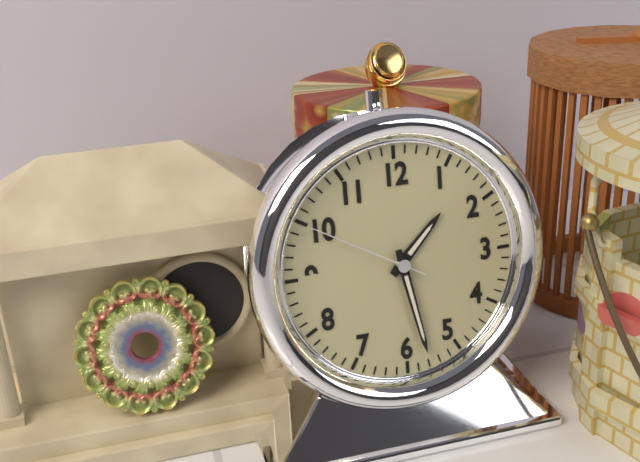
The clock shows 1.28.50
